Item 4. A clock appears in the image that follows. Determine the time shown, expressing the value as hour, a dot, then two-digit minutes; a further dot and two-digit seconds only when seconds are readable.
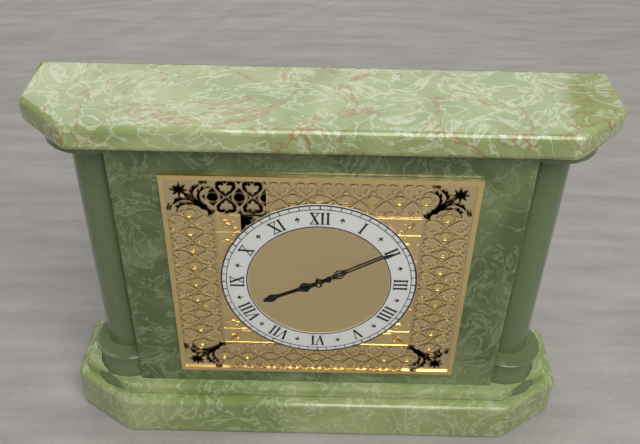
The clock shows 8.10
